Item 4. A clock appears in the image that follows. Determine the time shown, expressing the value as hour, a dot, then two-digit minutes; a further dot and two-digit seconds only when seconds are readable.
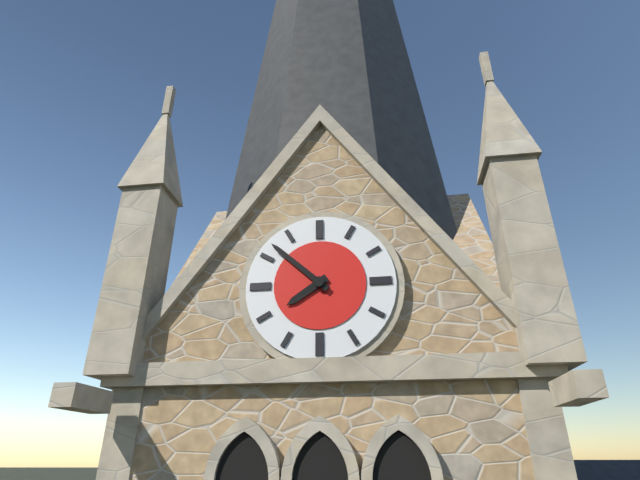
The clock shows 7.52
